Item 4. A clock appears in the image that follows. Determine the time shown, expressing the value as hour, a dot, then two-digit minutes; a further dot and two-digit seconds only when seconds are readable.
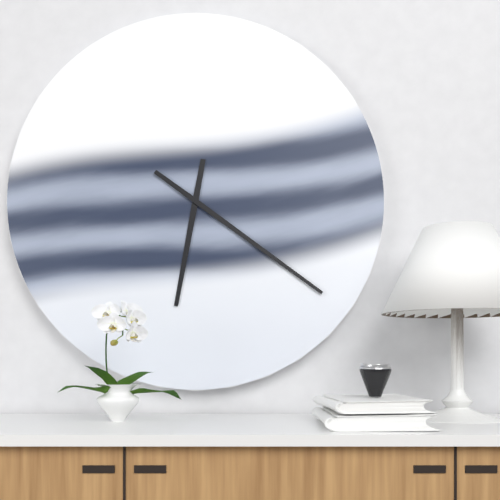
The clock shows 6.21
